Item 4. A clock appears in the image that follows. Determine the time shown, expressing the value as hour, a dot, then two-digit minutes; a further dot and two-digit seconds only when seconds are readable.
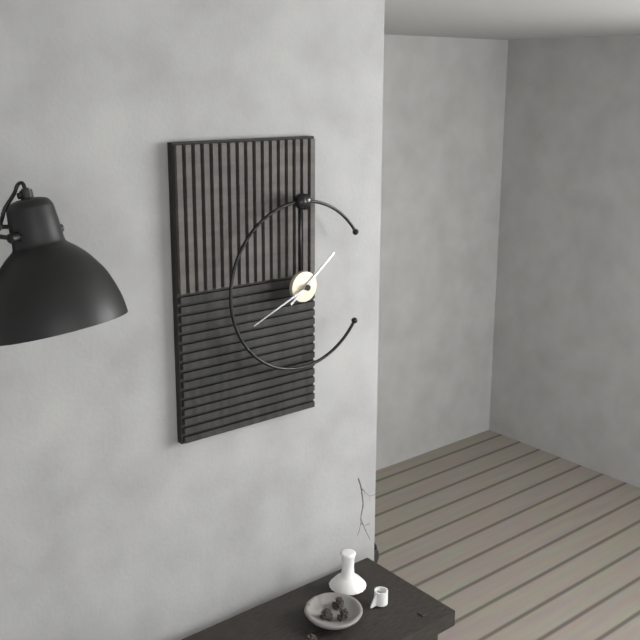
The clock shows 1.41
